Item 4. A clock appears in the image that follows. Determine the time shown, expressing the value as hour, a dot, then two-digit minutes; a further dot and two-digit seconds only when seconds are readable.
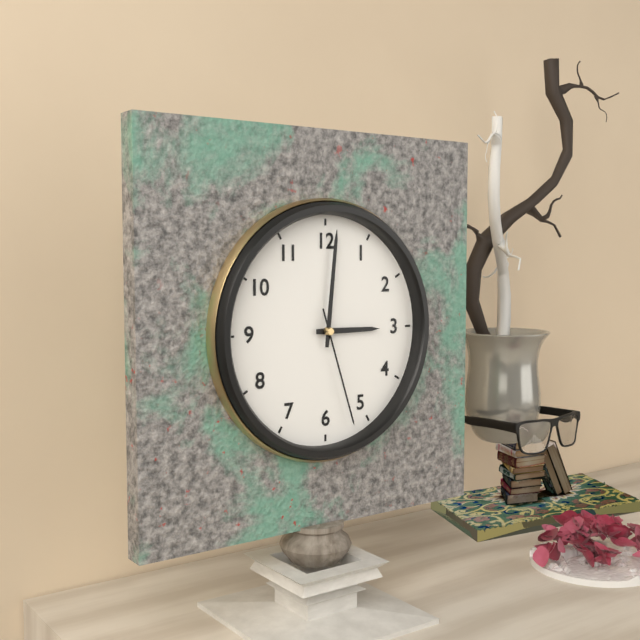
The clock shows 3.01.27
